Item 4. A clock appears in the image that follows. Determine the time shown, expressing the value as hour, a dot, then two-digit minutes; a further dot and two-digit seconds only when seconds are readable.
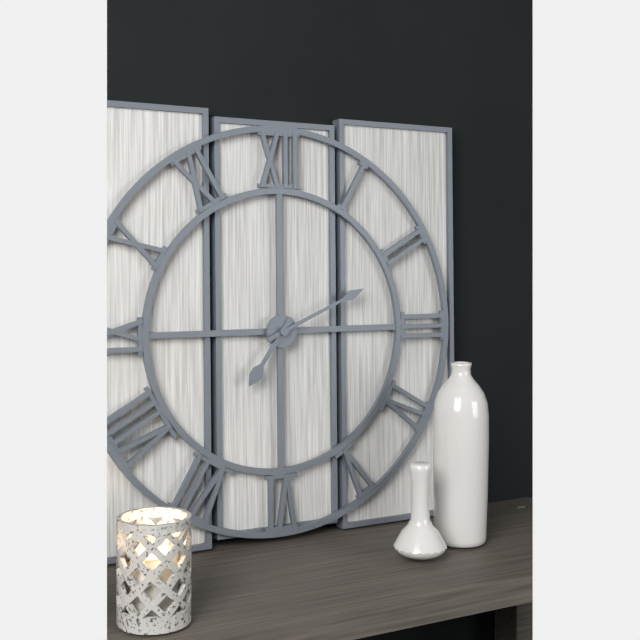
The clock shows 7.11
